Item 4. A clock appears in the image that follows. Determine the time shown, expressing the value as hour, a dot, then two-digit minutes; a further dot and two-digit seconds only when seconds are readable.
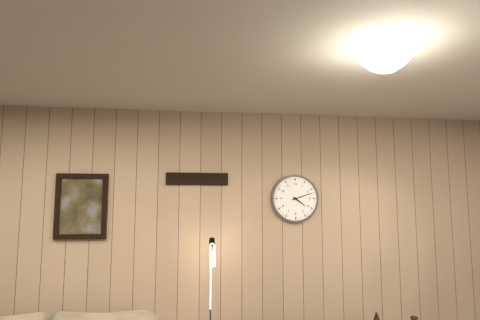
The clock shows 4.12
